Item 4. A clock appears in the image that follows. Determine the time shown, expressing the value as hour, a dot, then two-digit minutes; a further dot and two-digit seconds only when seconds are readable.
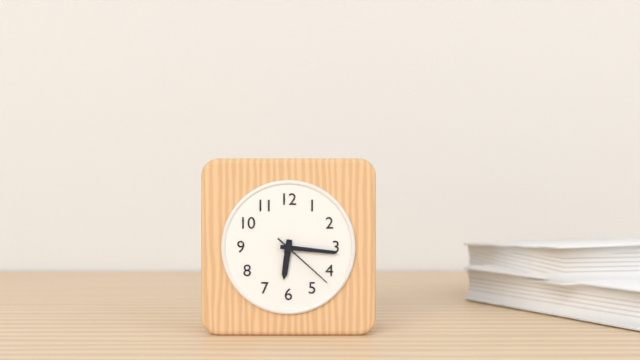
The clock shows 6.16.22
